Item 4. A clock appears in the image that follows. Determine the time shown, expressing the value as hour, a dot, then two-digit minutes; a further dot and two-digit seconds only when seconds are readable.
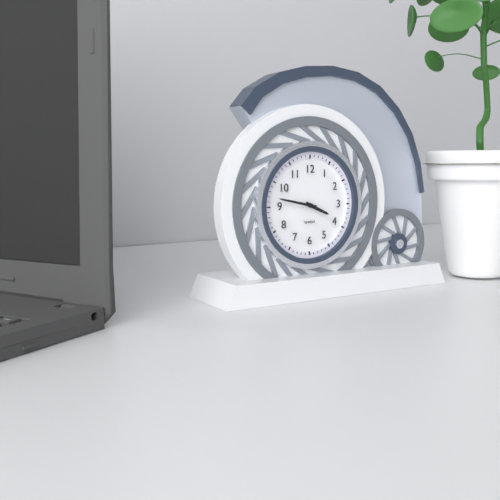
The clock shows 3.47
